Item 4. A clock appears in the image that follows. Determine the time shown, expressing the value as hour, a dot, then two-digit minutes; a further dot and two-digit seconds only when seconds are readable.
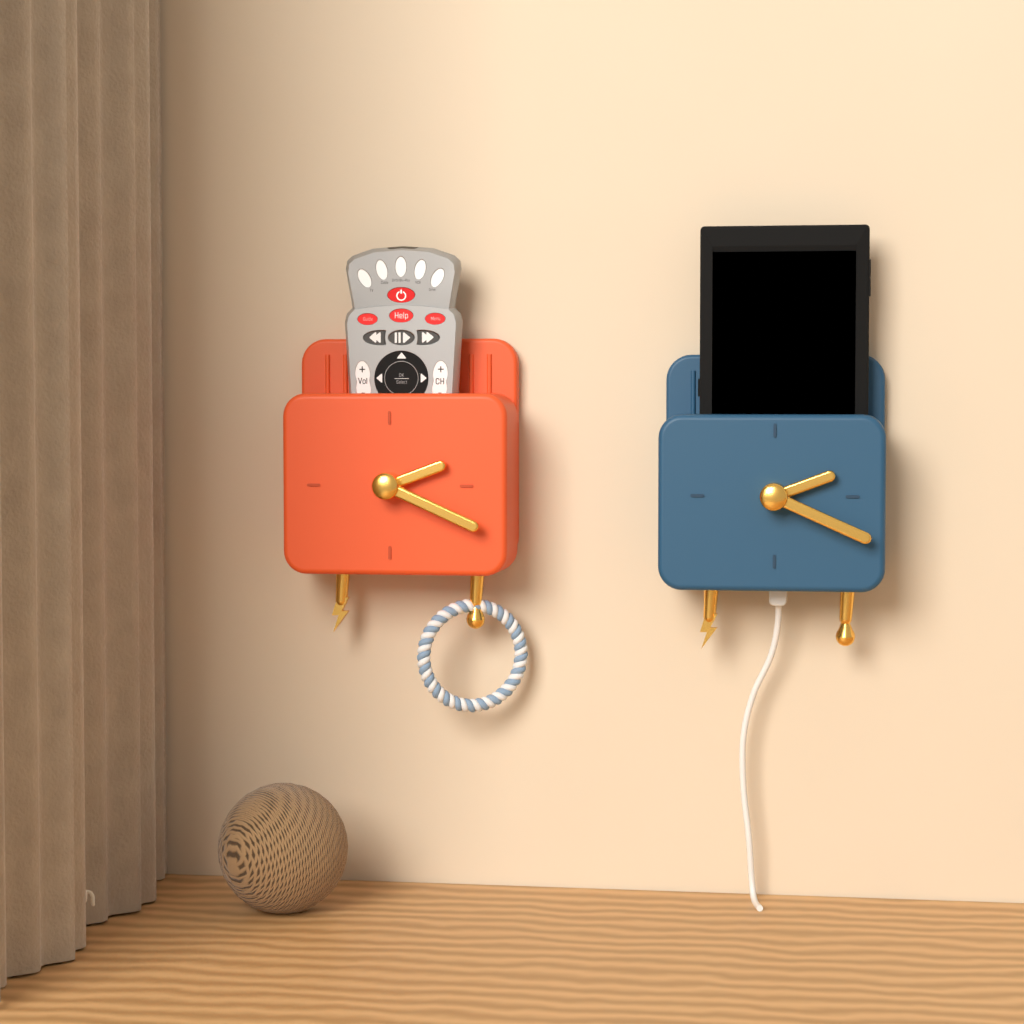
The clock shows 2.19
